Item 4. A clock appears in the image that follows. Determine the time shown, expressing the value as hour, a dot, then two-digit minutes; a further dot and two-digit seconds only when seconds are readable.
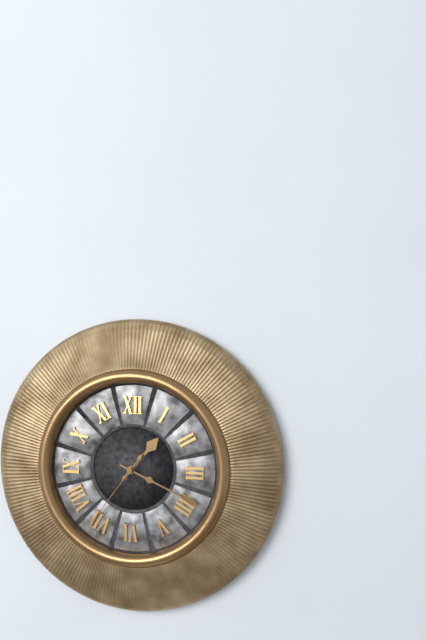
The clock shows 1.19.36
